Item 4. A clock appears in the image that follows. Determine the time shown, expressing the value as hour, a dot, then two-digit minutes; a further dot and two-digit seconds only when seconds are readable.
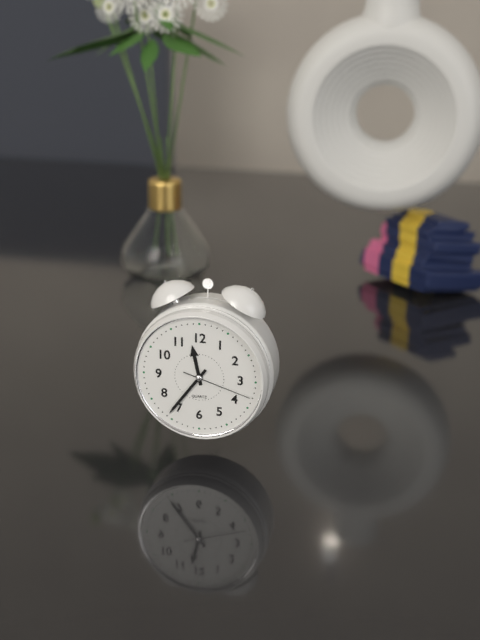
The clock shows 11.36.18
